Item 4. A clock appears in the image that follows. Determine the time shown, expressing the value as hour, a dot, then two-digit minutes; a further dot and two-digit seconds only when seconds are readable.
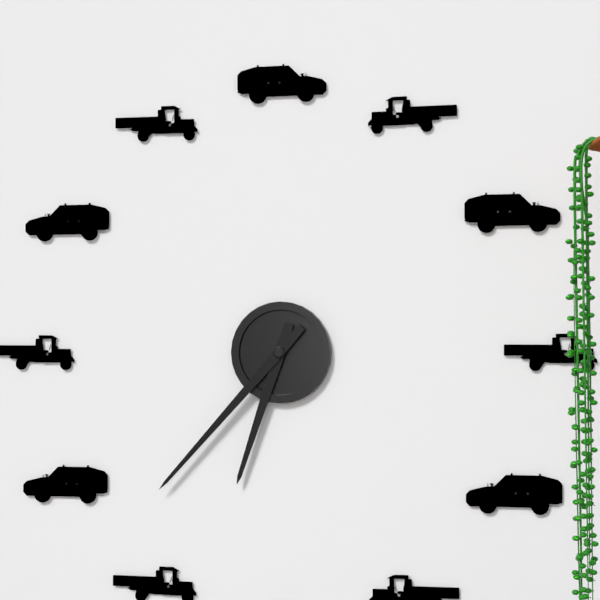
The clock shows 6.37
